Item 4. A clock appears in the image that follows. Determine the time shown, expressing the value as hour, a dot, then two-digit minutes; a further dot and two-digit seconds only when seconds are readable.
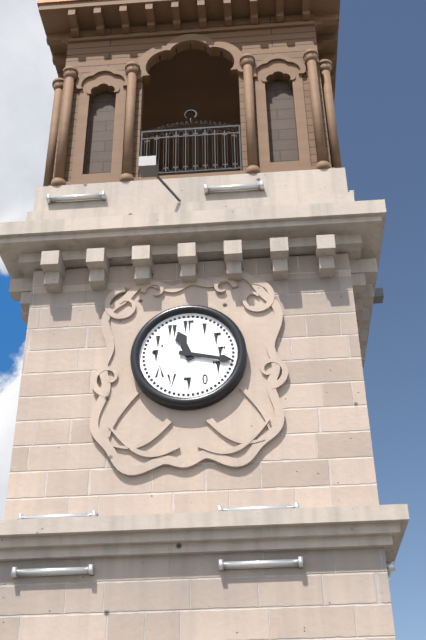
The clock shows 11.17
